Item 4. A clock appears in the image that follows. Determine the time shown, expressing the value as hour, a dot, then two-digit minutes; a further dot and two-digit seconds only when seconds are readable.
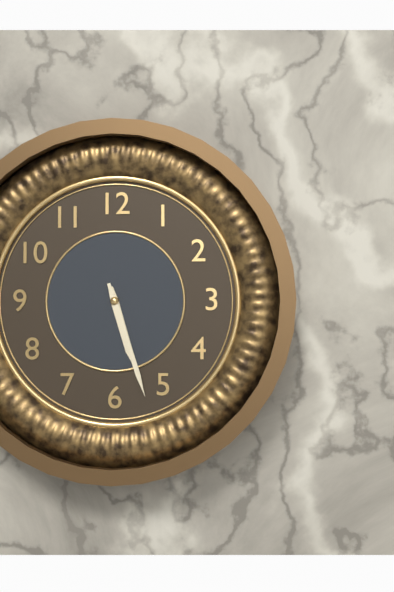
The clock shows 5.27
